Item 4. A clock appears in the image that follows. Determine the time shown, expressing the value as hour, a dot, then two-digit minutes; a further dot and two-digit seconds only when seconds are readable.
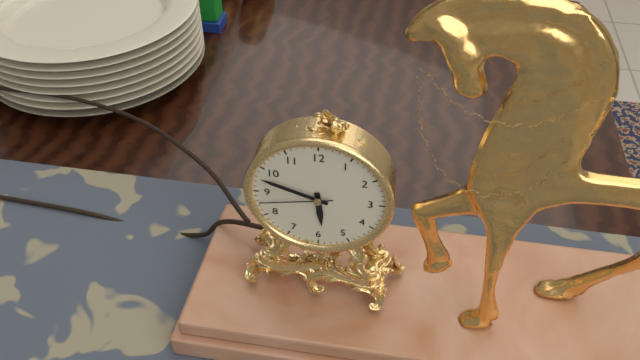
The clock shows 5.48.43
